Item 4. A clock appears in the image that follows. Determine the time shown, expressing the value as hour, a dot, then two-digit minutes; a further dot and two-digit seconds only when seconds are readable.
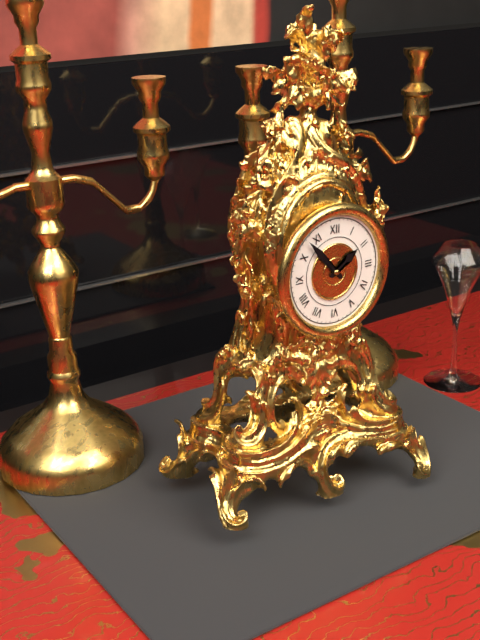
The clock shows 1.53
